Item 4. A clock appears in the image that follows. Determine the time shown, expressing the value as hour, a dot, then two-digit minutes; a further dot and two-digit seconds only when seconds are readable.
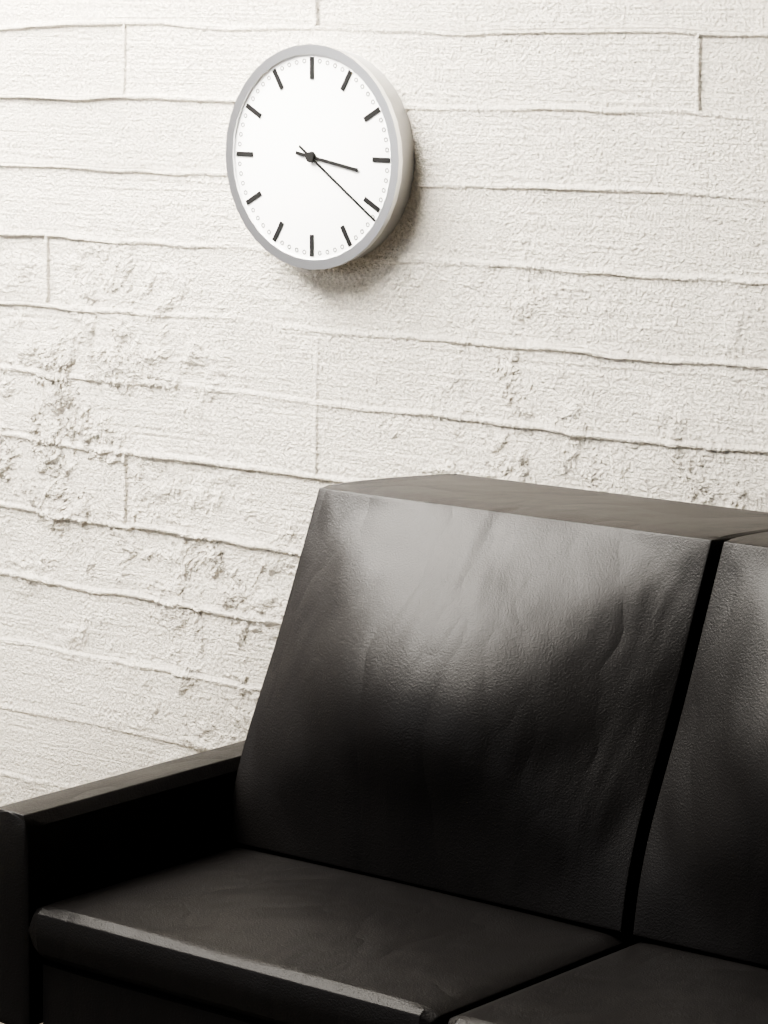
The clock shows 3.21
